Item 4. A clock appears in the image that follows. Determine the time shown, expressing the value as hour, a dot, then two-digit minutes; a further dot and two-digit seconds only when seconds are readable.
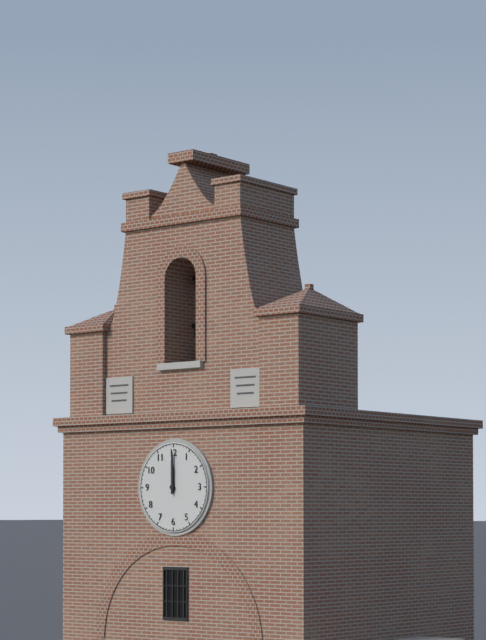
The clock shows 12.00
